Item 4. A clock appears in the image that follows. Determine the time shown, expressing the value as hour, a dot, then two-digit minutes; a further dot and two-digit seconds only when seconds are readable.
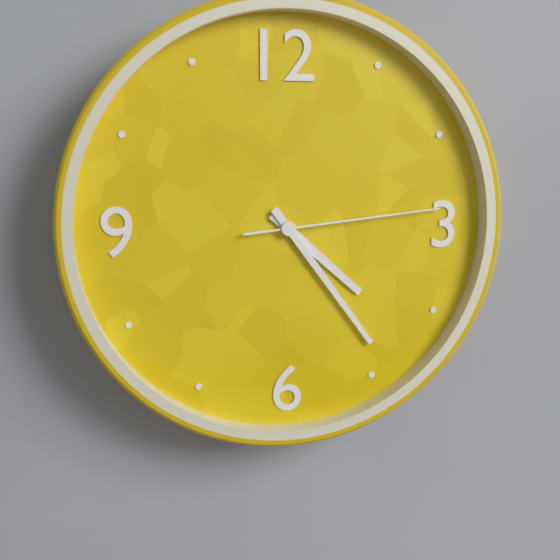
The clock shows 4.24.14
